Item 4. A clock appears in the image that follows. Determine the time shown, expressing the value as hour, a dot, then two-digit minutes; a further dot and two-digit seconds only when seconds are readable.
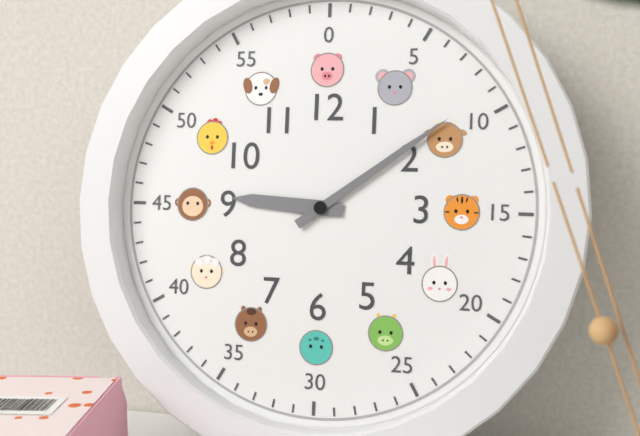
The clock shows 9.09
